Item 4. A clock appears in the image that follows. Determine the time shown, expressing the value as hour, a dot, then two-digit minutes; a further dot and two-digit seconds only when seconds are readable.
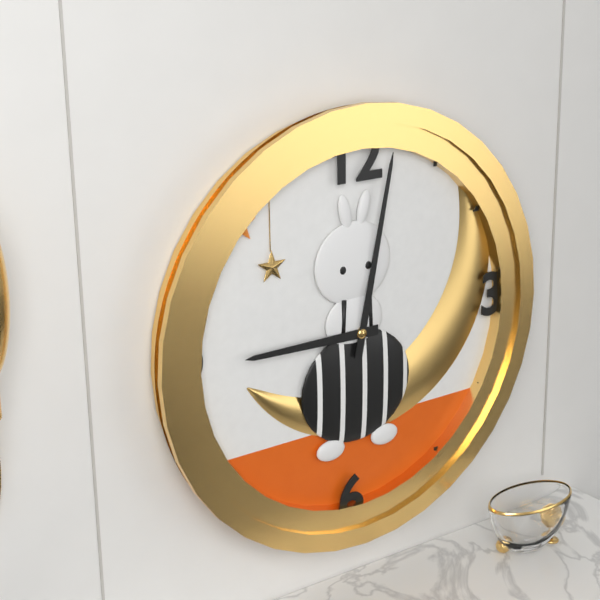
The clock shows 9.02
